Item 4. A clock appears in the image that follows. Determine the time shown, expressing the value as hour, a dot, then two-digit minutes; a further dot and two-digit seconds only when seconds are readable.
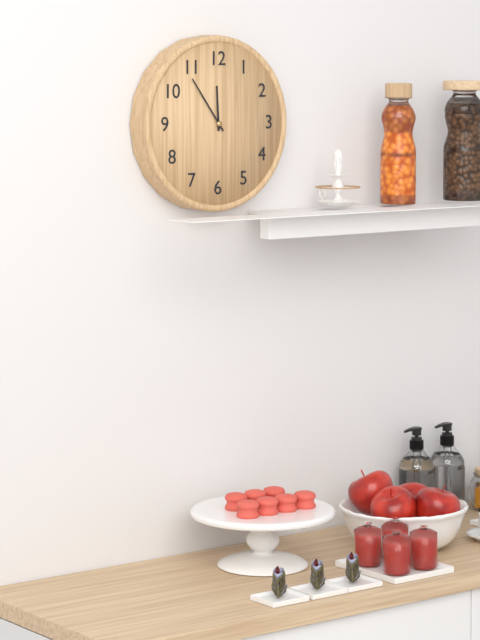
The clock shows 11.54
